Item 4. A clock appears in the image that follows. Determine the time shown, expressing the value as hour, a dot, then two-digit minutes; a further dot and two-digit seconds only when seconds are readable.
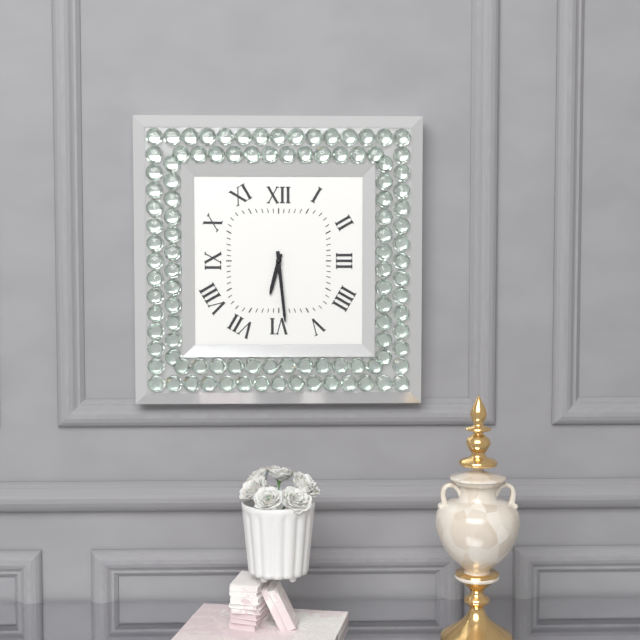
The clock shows 6.29
